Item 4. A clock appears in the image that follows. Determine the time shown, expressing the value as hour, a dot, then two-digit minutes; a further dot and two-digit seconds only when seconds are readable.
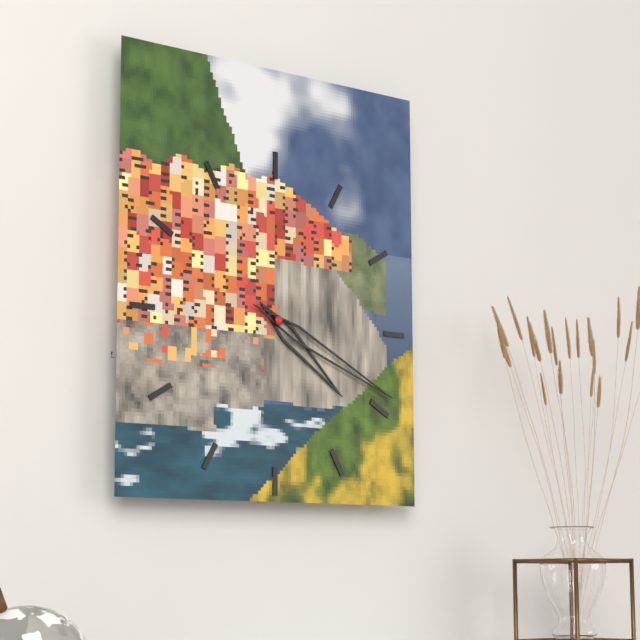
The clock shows 4.19
